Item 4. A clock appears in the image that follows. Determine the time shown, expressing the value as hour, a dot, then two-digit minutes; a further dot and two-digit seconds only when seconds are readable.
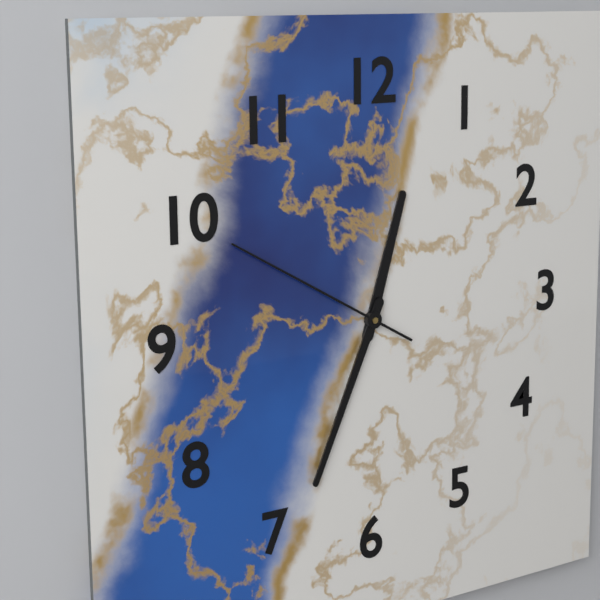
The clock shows 12.34.50
